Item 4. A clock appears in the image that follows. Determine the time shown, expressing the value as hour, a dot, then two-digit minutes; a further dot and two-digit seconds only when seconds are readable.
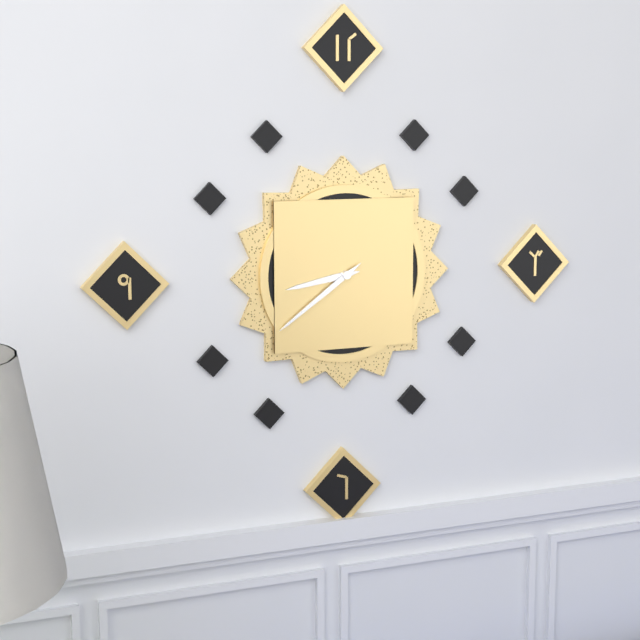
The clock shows 8.39
